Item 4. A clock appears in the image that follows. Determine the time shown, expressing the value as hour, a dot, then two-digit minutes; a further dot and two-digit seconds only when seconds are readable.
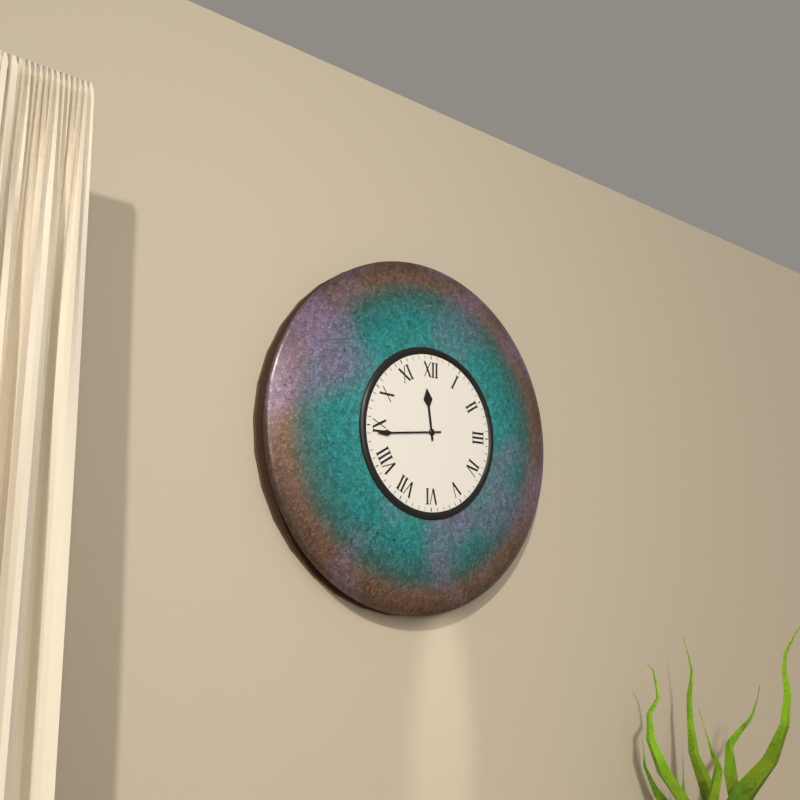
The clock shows 11.44
